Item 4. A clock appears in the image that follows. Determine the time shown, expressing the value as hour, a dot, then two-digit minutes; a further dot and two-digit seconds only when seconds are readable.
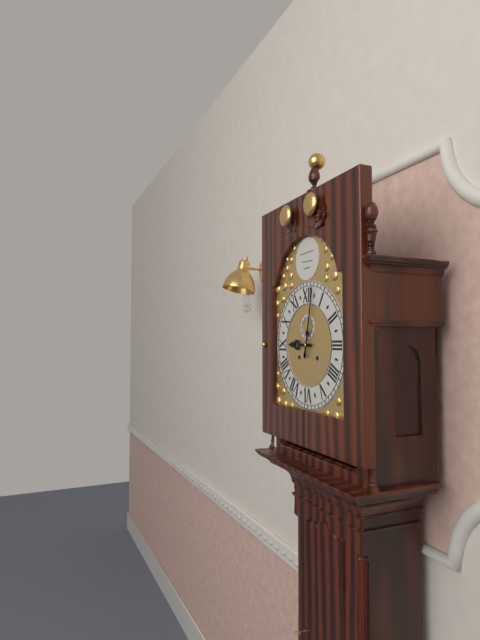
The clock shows 9.02
